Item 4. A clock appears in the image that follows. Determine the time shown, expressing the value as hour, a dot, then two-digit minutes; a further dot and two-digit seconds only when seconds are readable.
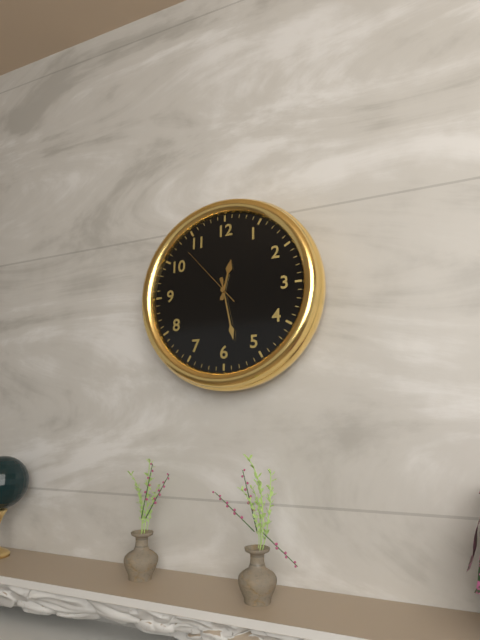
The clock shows 12.28.53
